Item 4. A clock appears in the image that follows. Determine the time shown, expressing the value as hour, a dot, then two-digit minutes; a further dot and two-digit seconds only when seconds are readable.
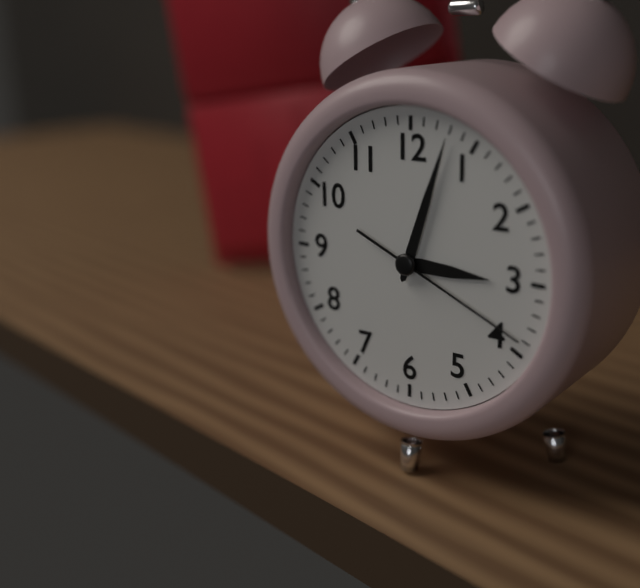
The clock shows 3.03.19
